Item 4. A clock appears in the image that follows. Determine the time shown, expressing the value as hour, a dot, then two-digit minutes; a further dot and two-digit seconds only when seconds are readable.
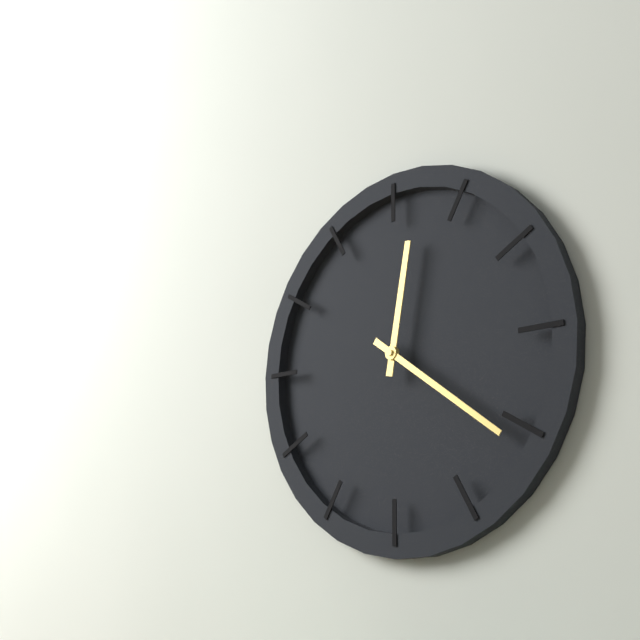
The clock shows 12.21
